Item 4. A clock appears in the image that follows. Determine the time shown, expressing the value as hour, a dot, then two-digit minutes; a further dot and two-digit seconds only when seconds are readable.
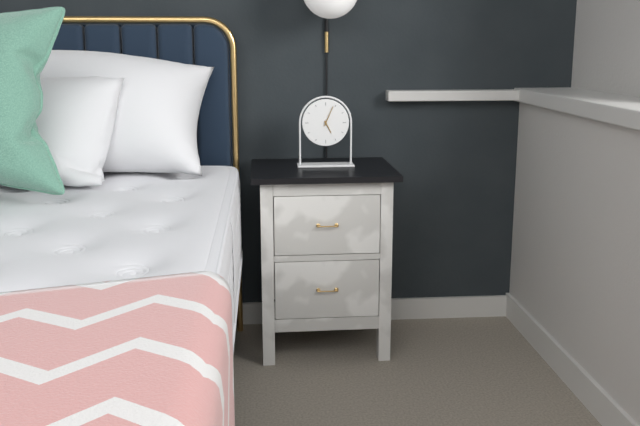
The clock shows 5.04
